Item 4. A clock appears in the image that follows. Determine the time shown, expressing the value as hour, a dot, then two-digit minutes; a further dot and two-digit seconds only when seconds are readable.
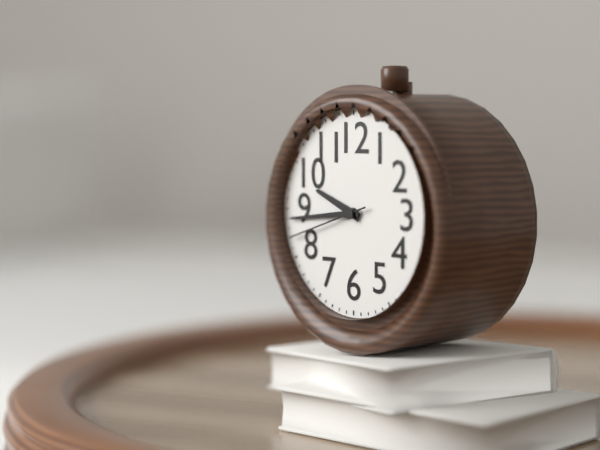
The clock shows 9.44.42
